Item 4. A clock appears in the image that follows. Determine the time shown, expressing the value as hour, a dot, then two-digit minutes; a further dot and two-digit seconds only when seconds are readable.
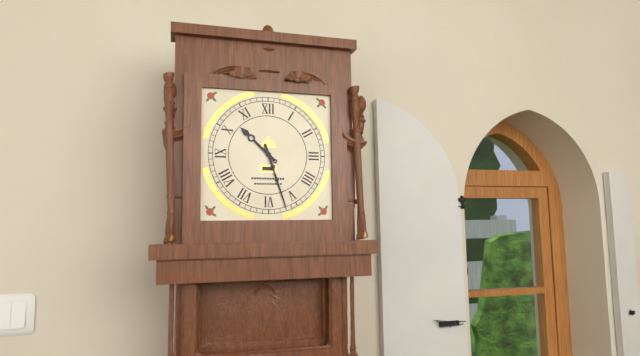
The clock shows 10.27
